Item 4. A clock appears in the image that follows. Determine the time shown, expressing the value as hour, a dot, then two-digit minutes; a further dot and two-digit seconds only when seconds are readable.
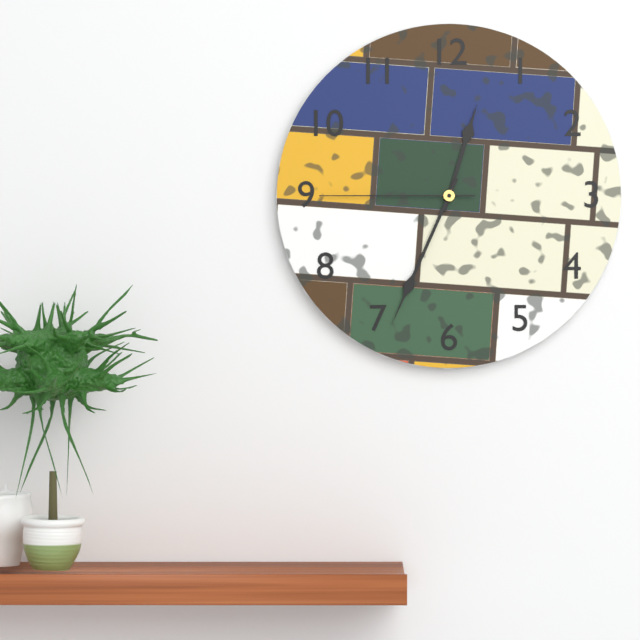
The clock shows 12.34.45
